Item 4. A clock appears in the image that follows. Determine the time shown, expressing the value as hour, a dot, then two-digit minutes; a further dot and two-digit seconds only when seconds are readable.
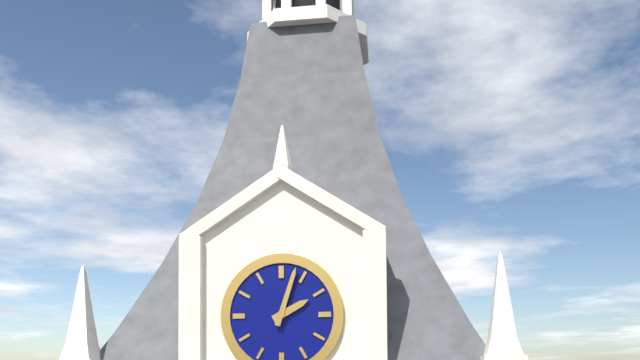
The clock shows 2.03
